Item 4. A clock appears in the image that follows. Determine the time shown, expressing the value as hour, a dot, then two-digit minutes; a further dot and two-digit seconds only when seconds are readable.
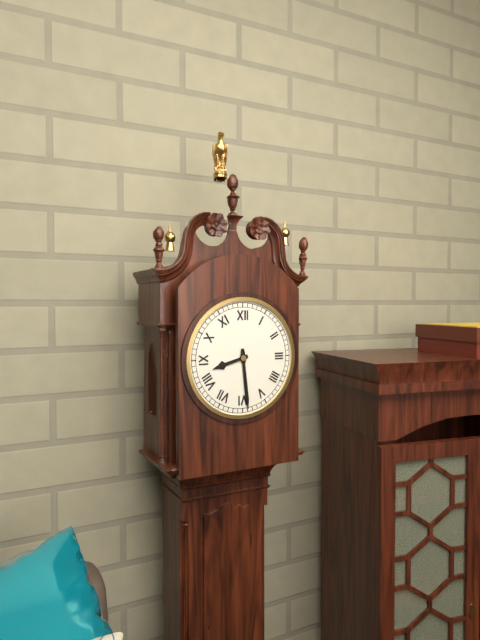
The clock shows 8.29
